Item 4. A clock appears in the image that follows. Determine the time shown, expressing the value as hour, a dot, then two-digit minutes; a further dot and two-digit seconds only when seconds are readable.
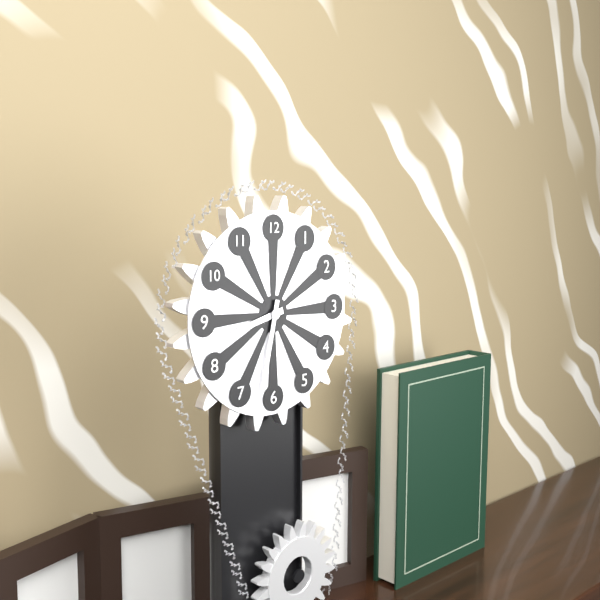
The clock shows 8.32
